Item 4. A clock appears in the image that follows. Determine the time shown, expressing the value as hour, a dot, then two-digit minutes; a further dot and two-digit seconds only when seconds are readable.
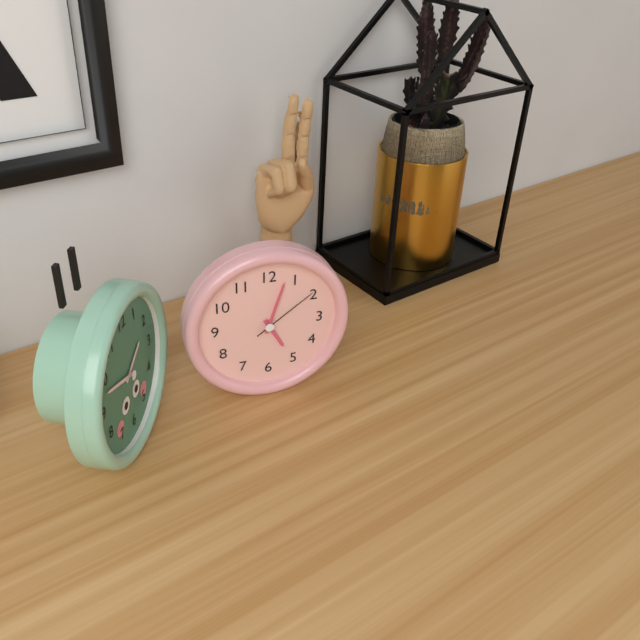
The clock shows 5.03.09
